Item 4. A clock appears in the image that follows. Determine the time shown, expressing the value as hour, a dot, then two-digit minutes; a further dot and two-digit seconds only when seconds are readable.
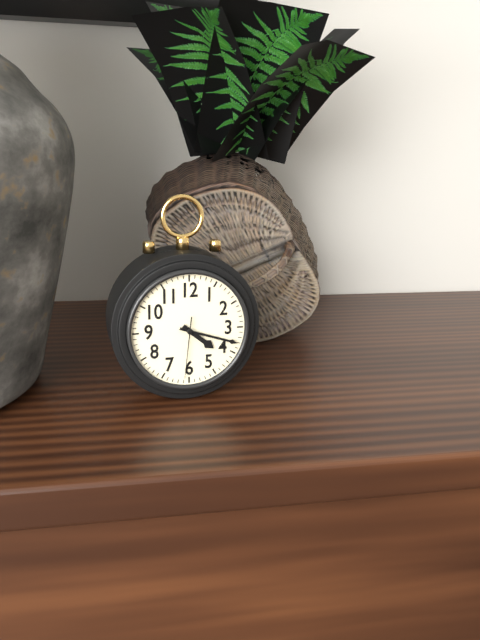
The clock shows 4.18.31
